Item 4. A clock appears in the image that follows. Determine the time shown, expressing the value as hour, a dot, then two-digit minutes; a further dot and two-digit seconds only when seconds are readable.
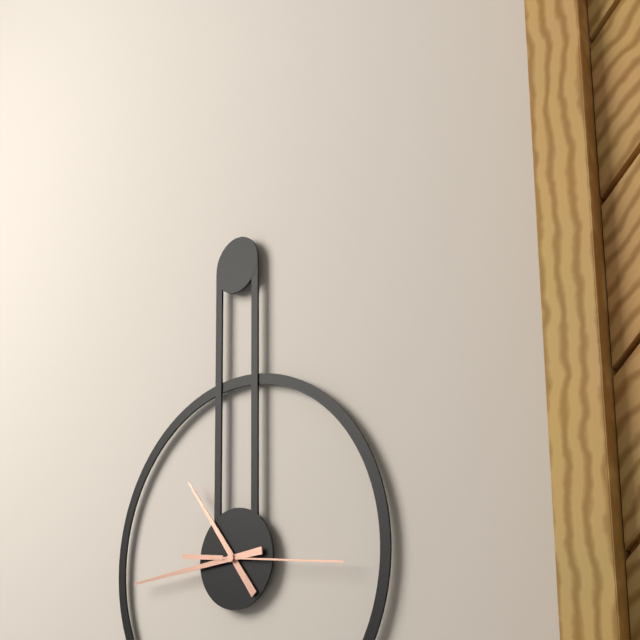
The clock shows 10.44.16
